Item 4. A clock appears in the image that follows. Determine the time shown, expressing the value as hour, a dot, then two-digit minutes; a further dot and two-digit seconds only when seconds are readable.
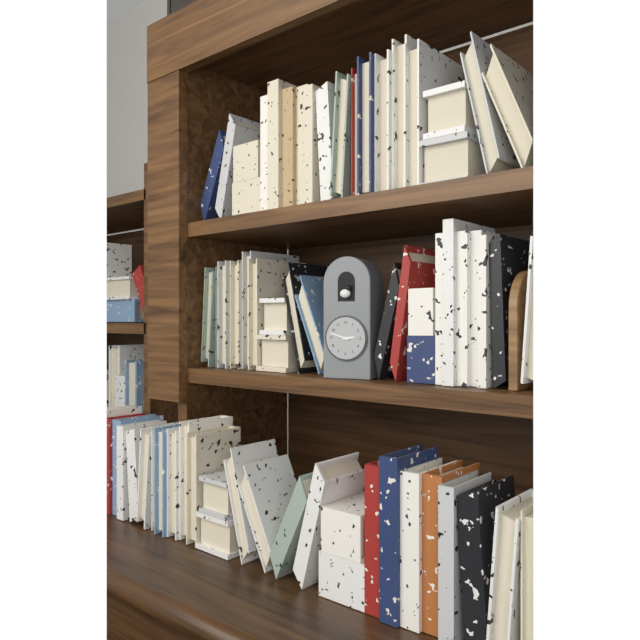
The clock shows 2.48
